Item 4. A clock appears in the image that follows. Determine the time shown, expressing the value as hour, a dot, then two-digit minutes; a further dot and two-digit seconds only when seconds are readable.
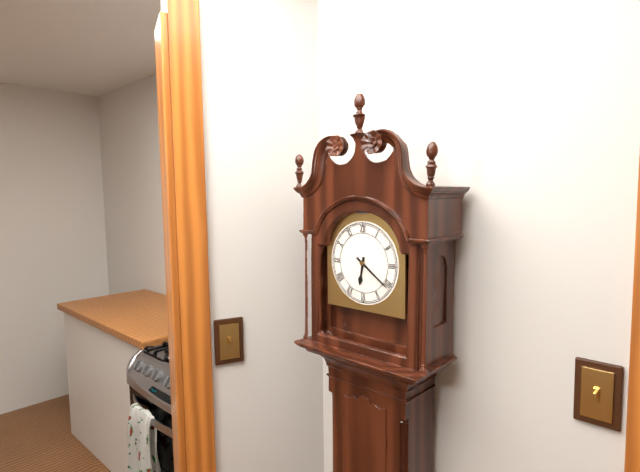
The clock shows 6.21
